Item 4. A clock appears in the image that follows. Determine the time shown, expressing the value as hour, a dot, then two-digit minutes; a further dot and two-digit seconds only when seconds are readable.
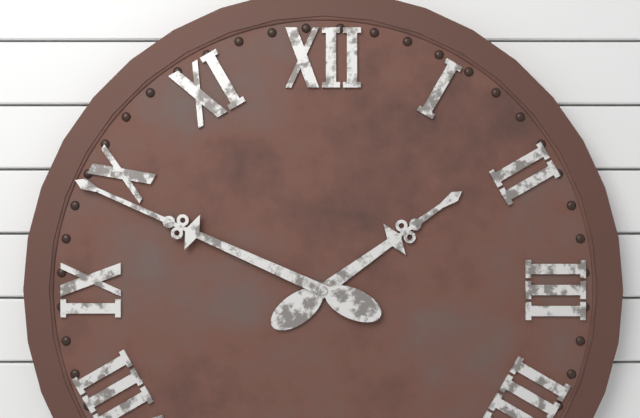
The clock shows 1.49
